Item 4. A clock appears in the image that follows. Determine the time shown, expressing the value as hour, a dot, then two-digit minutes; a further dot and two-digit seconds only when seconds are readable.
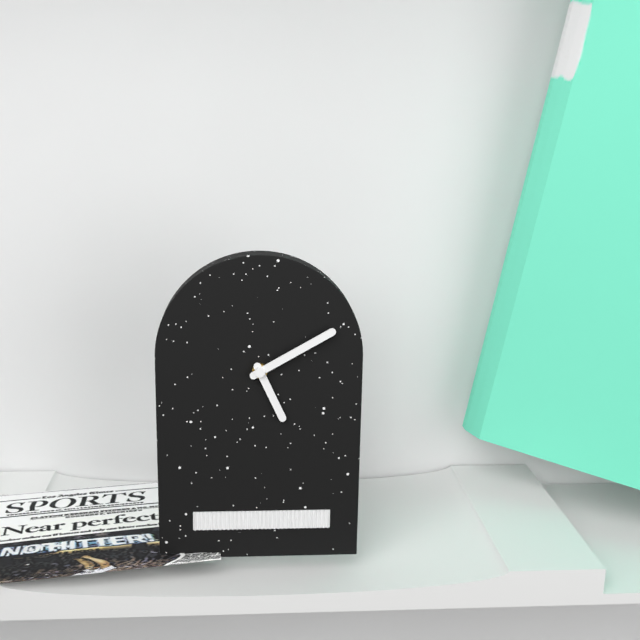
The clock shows 5.10
